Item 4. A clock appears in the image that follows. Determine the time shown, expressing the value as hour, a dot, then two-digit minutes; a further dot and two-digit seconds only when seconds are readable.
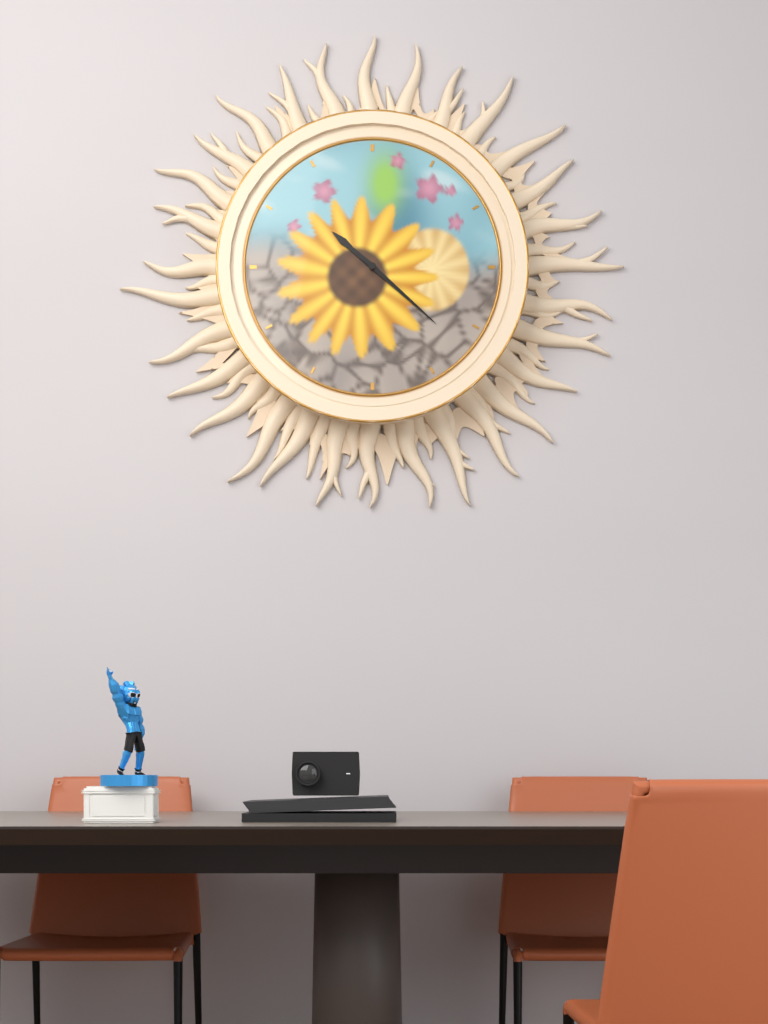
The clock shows 10.22
